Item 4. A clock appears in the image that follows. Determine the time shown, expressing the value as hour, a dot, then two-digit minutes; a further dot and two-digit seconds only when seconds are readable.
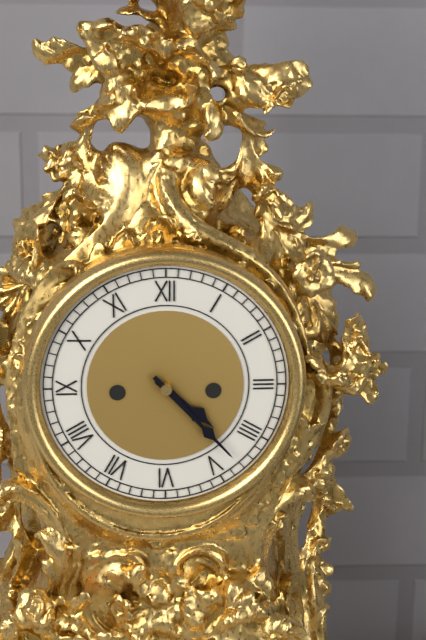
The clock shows 4.23
